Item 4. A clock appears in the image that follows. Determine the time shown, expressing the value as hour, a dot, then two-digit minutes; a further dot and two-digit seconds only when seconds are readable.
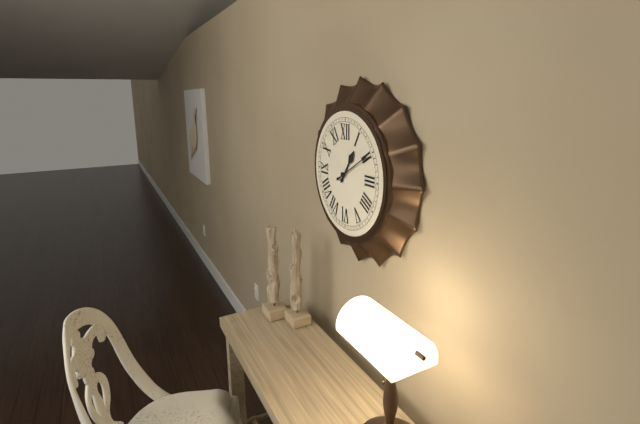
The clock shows 1.10
